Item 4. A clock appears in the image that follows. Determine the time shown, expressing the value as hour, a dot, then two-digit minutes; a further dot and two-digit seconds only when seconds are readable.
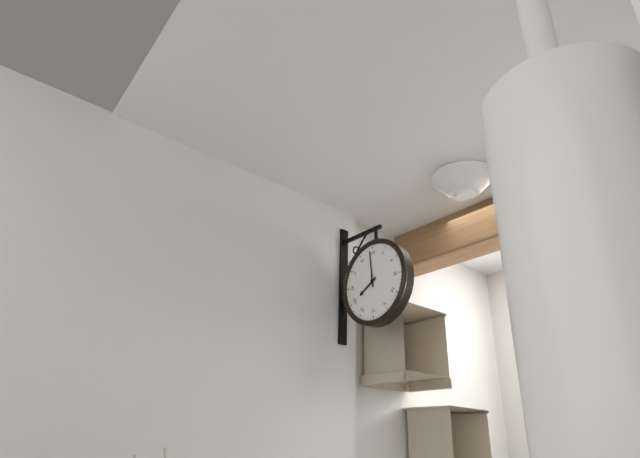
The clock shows 7.59
